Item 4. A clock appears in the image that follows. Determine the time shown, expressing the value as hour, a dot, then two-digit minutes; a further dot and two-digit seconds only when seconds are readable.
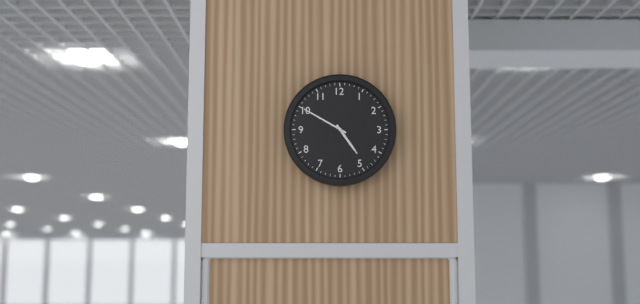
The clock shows 4.50
